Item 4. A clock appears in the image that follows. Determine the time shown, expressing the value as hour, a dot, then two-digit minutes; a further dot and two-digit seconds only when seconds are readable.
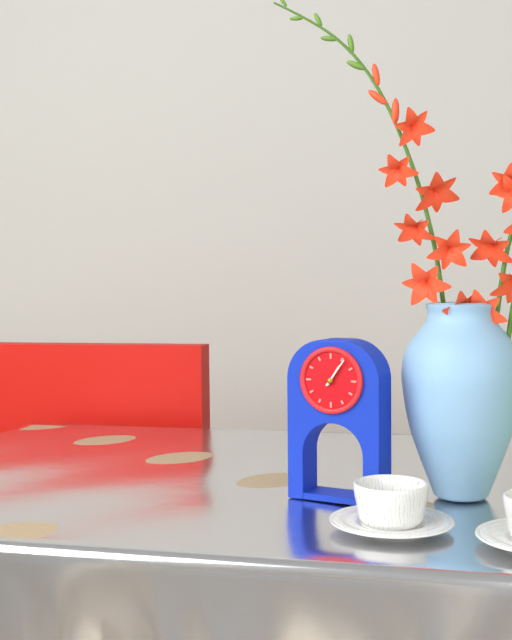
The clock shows 1.06
